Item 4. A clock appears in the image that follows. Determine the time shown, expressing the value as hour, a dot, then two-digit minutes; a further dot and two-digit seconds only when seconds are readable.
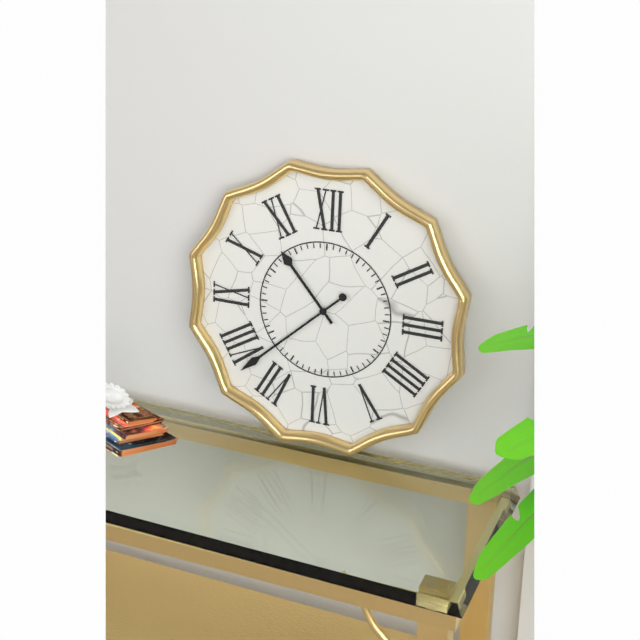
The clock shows 10.38
